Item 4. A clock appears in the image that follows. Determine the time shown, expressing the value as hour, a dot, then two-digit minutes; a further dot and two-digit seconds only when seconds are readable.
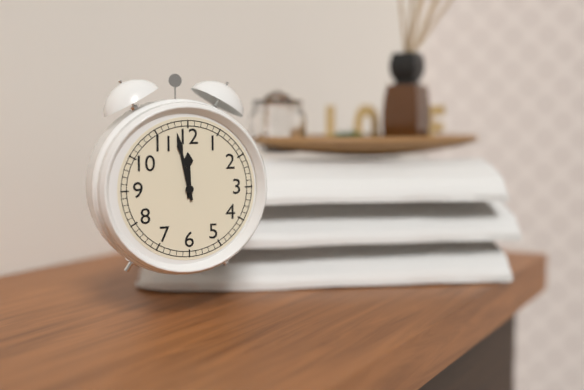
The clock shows 11.58
